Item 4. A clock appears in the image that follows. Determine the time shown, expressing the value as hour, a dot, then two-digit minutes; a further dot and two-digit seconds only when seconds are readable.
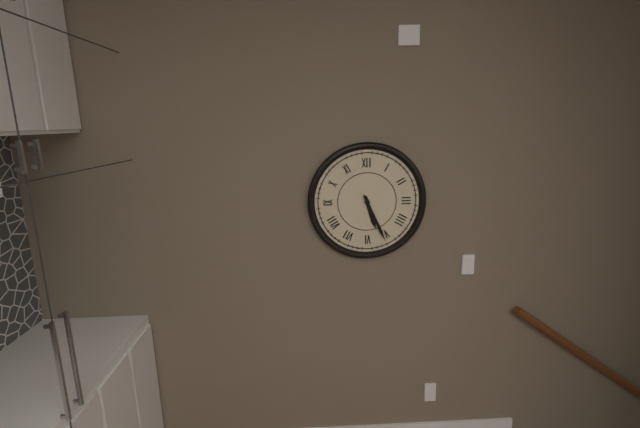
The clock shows 5.26
